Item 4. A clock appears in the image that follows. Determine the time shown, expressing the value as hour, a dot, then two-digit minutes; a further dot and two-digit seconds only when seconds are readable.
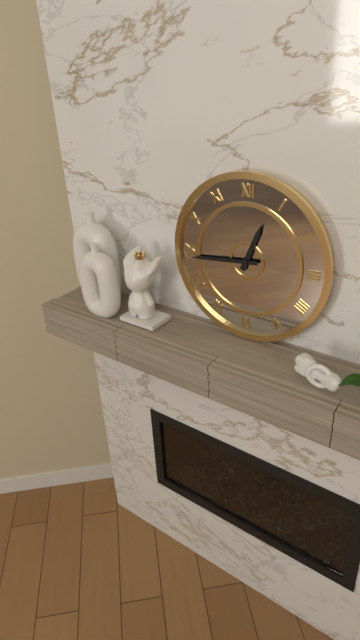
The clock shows 12.44
